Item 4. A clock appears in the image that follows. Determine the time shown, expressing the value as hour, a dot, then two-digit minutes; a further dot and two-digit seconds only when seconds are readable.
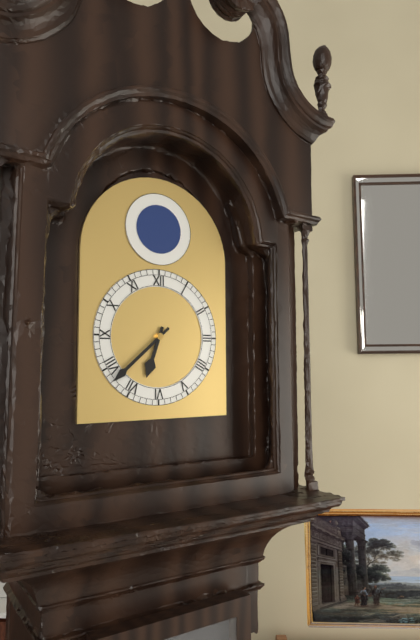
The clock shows 6.38
